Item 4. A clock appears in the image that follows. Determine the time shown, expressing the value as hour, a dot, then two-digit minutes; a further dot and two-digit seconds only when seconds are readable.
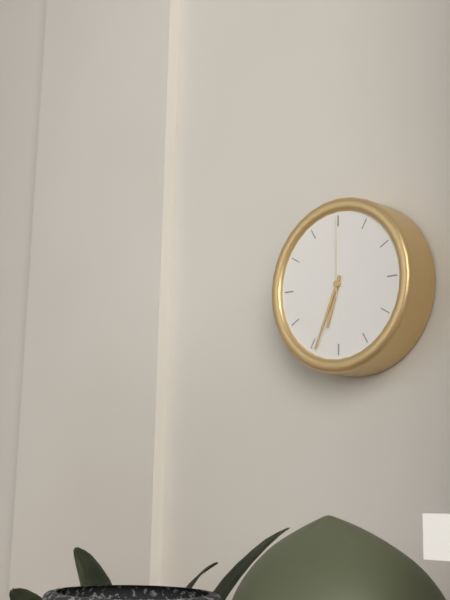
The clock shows 6.34.00
